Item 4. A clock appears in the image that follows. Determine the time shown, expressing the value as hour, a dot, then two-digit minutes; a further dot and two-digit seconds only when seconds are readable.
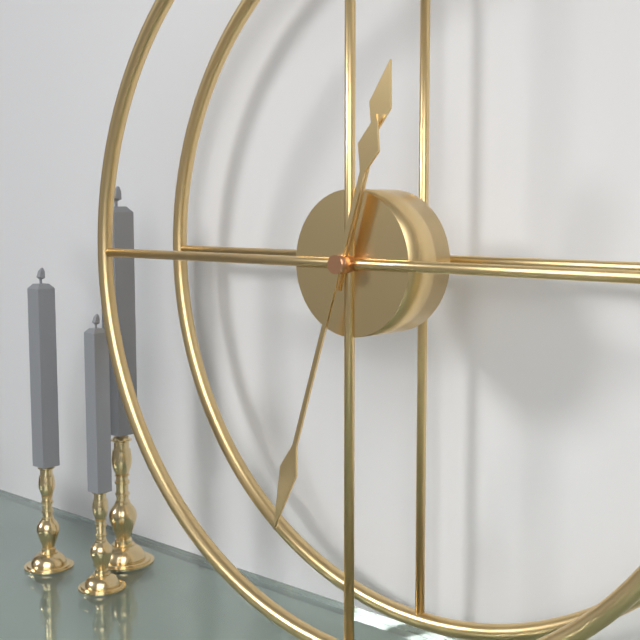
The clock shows 12.33
